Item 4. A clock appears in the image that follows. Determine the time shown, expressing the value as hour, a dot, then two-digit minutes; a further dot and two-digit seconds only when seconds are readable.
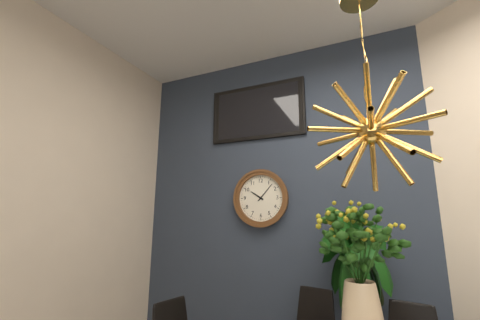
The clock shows 10.07
